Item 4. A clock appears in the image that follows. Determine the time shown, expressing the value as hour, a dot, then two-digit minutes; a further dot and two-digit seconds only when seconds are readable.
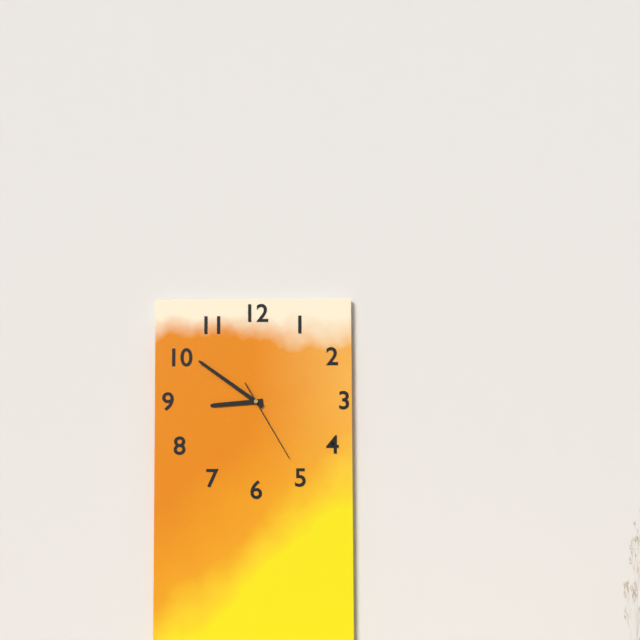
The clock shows 8.51.25
